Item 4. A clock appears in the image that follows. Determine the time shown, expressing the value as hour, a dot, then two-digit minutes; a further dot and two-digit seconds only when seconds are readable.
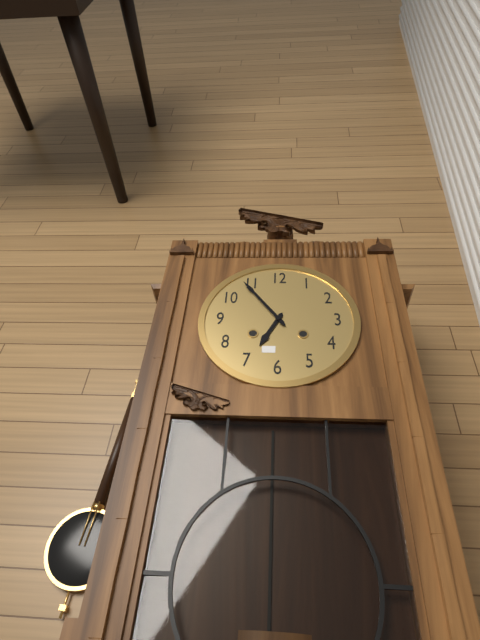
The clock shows 6.54
